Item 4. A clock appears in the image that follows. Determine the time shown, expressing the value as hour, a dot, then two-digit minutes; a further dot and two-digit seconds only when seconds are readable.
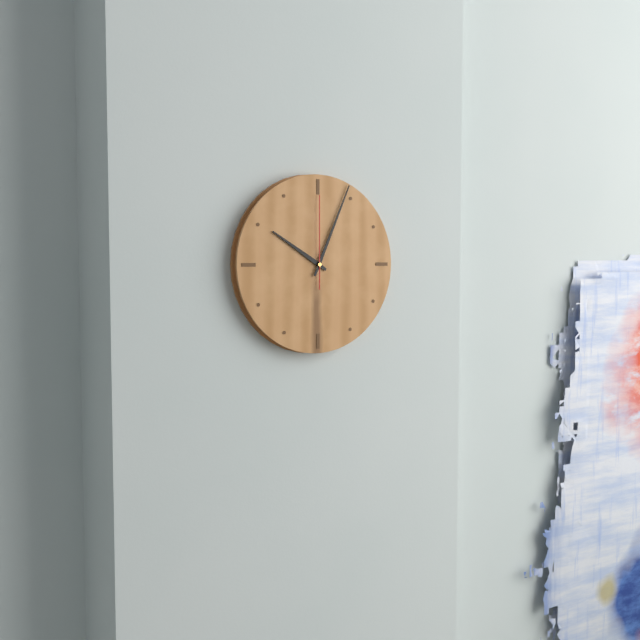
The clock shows 10.04.00
